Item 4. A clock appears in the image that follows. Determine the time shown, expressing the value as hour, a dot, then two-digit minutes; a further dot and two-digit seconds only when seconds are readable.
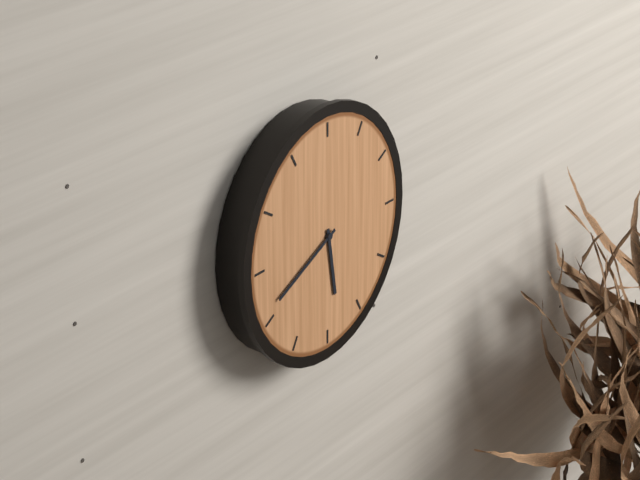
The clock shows 5.41
